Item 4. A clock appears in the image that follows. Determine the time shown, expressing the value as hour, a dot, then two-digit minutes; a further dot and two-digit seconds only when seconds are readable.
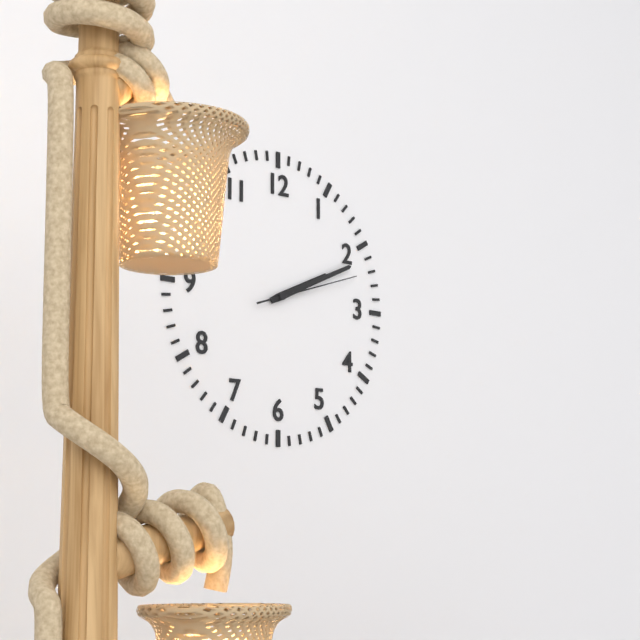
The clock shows 2.11.12
